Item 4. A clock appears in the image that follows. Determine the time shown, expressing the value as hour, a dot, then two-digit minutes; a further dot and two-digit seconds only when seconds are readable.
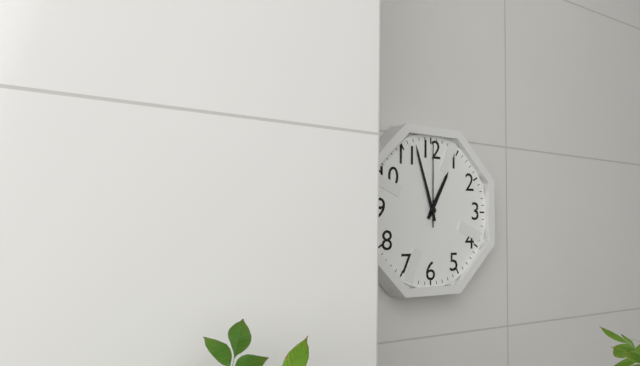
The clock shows 12.57.00
